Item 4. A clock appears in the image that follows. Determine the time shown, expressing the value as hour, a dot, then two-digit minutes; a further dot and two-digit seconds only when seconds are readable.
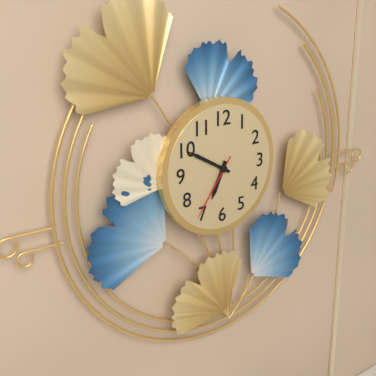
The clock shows 6.50.36
